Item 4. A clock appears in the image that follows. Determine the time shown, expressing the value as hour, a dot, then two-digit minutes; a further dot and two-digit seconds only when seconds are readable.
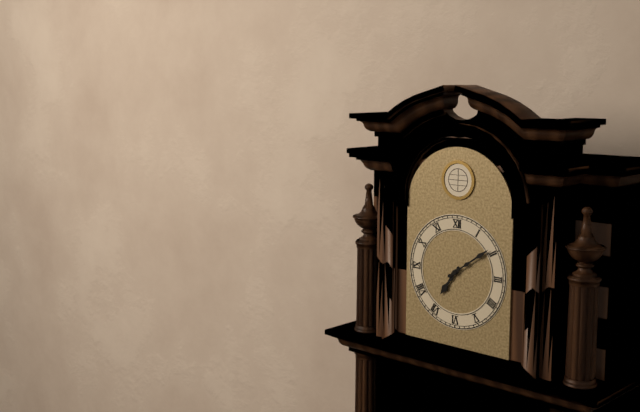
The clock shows 7.09
